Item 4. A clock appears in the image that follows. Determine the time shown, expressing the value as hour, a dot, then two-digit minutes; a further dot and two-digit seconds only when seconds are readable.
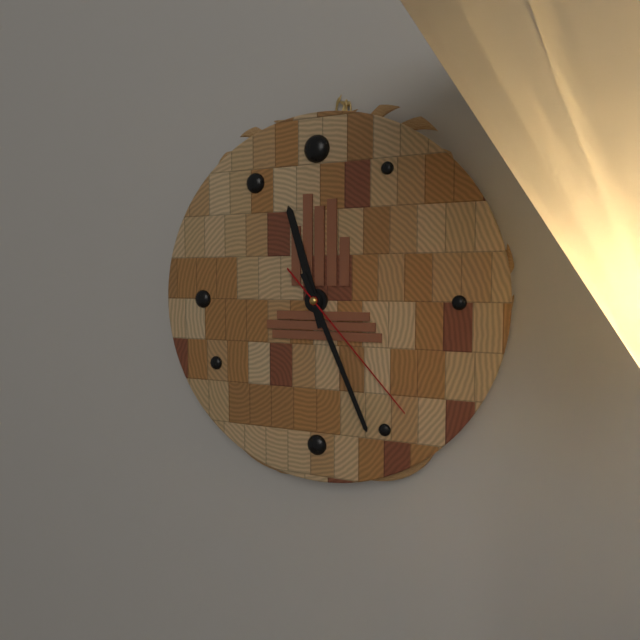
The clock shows 11.26.23
